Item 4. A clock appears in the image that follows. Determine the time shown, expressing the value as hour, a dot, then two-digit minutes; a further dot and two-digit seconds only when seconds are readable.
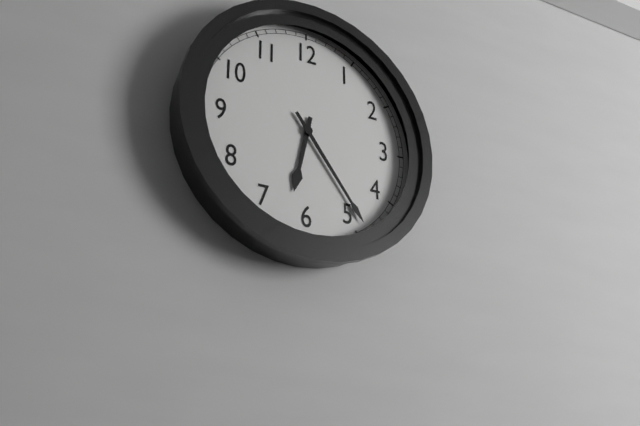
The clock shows 6.24
